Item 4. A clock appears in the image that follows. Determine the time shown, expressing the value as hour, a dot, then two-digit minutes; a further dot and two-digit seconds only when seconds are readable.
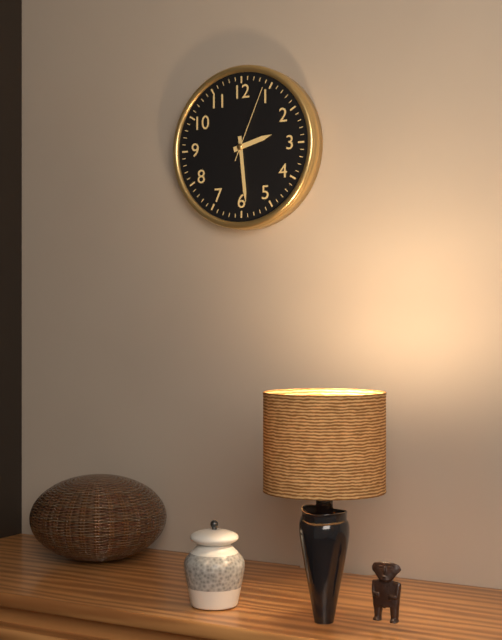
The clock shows 2.29.04
